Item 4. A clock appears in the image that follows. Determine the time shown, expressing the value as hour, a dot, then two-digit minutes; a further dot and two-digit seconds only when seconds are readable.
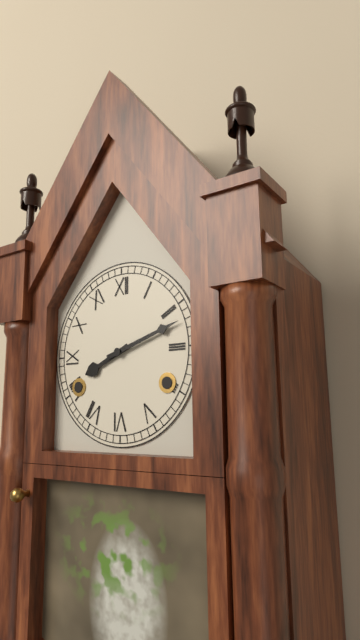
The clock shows 8.12
